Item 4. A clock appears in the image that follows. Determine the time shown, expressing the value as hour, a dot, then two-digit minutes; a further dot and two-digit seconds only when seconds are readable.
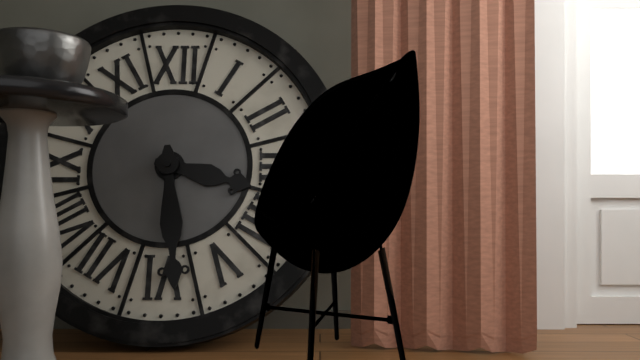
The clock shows 3.29
